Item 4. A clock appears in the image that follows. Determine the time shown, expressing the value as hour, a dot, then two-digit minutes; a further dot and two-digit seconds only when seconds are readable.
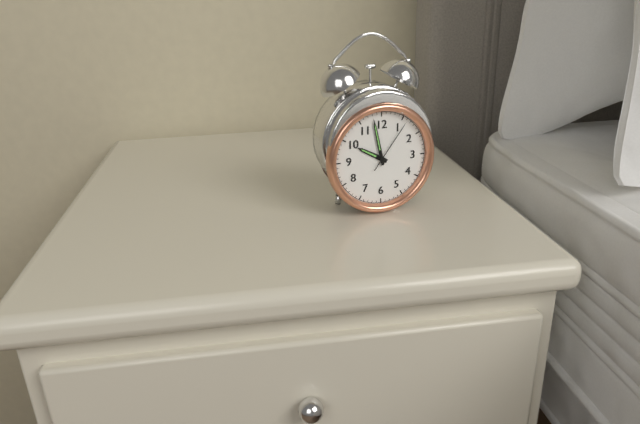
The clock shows 9.58.06
